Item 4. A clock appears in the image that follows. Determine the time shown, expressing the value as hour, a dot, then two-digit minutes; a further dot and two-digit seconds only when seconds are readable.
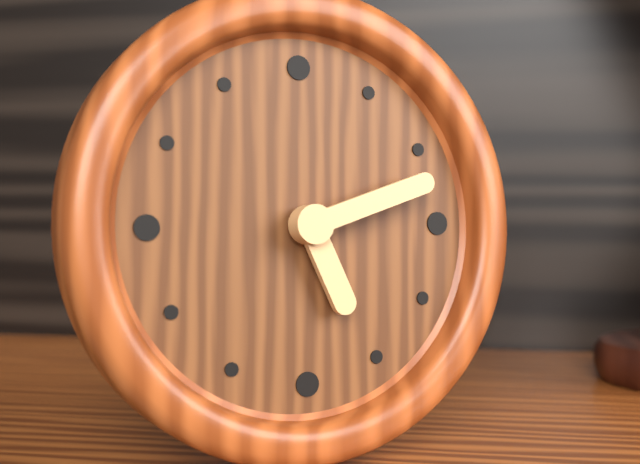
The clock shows 5.12
